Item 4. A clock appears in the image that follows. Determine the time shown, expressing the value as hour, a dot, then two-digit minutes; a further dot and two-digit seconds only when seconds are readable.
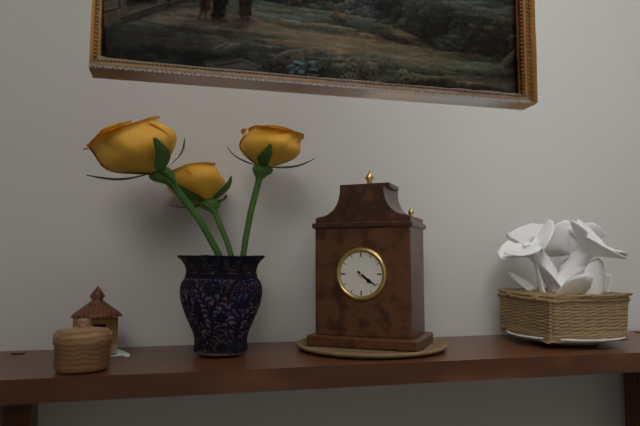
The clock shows 4.21
